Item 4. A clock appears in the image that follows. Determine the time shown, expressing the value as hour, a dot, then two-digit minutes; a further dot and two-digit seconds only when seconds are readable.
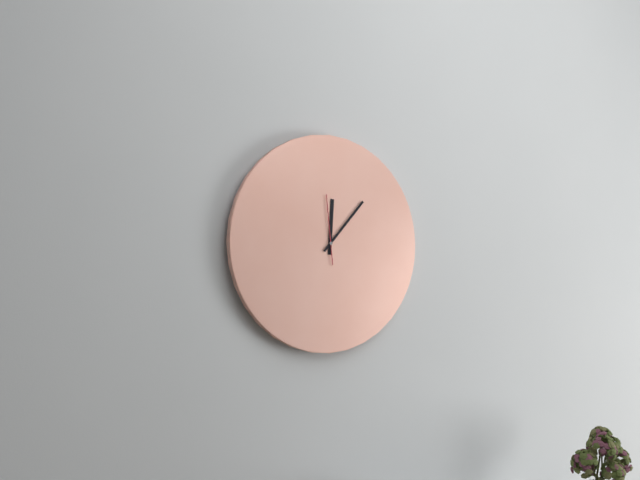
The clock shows 12.07.59
